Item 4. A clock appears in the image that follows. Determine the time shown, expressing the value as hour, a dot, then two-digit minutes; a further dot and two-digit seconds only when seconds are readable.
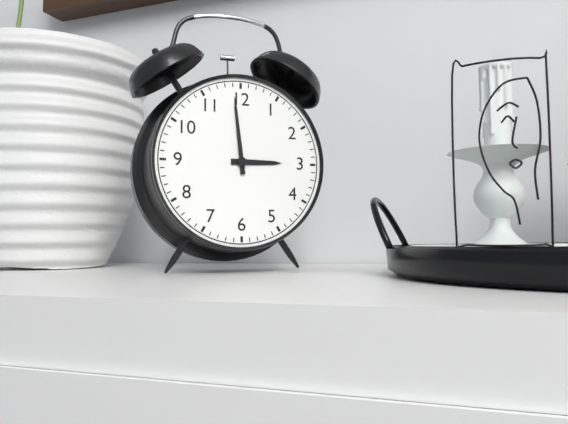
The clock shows 2.59
